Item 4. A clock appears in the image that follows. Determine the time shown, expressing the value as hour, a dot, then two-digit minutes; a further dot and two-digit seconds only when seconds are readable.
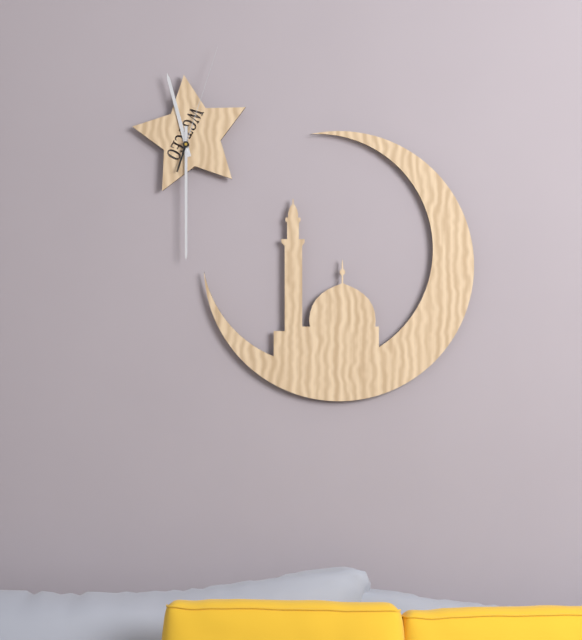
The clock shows 11.30.03
